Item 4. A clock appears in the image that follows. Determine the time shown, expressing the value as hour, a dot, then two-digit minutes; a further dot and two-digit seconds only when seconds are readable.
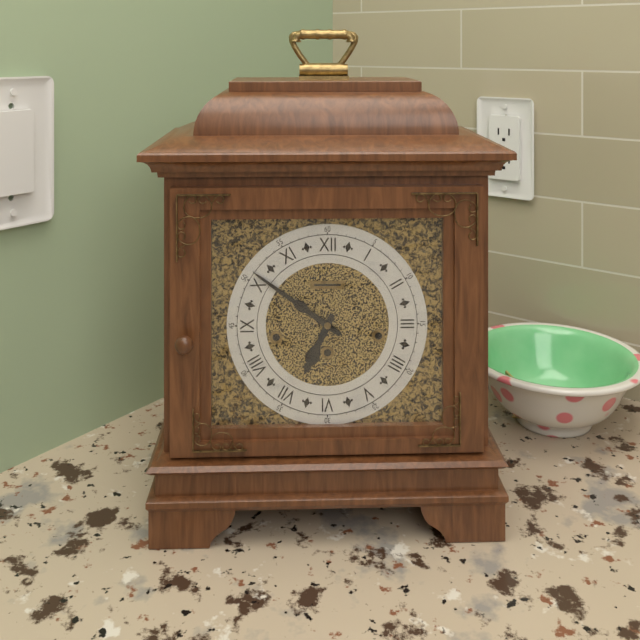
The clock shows 6.51
